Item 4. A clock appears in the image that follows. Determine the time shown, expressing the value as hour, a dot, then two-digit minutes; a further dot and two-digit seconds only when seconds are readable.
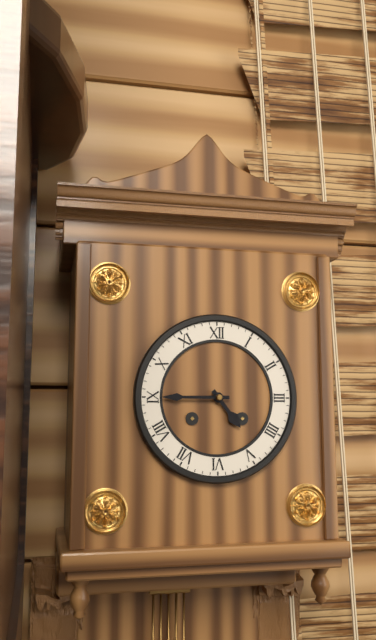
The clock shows 4.45
